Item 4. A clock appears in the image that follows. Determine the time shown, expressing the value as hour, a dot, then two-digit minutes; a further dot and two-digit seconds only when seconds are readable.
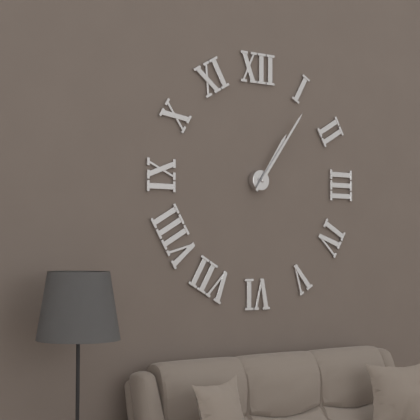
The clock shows 1.06
